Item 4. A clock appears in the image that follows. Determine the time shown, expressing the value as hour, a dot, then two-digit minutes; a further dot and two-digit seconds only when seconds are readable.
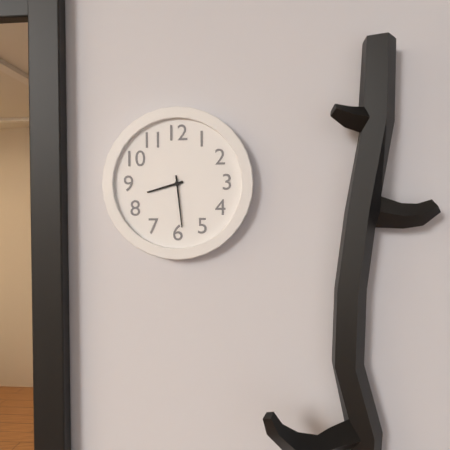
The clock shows 8.29
